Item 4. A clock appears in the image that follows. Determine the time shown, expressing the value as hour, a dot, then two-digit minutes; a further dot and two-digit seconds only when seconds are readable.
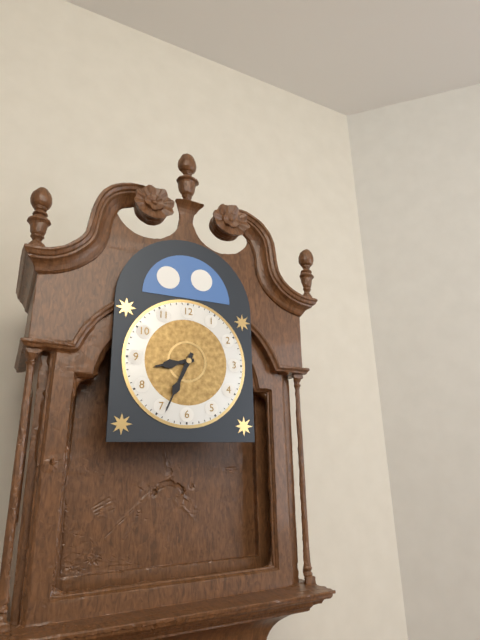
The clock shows 8.34
